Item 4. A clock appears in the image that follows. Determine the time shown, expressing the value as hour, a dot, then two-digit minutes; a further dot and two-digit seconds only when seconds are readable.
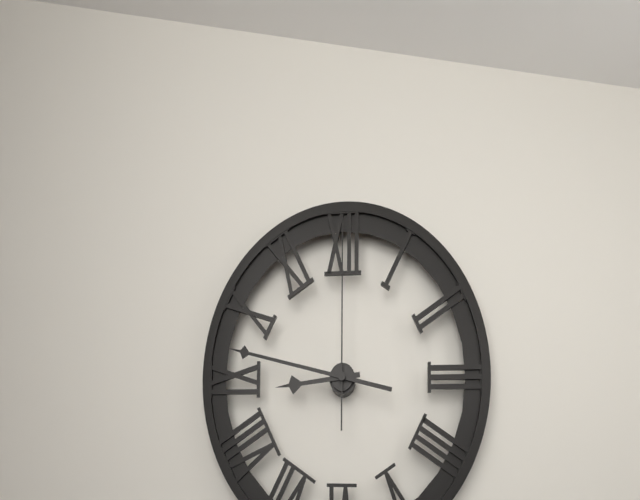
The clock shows 8.47.00
